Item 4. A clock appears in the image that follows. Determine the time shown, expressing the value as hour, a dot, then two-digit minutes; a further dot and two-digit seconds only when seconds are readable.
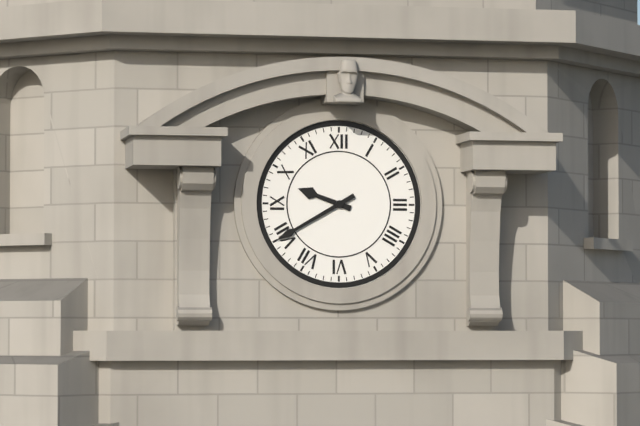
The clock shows 9.40
